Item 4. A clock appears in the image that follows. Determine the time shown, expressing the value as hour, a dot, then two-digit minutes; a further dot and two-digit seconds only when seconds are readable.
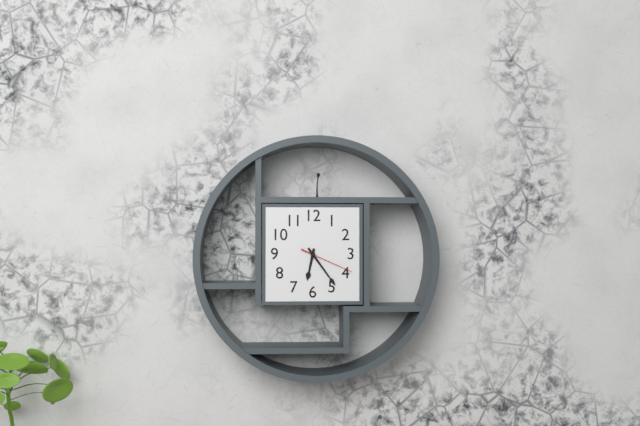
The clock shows 6.24.19
